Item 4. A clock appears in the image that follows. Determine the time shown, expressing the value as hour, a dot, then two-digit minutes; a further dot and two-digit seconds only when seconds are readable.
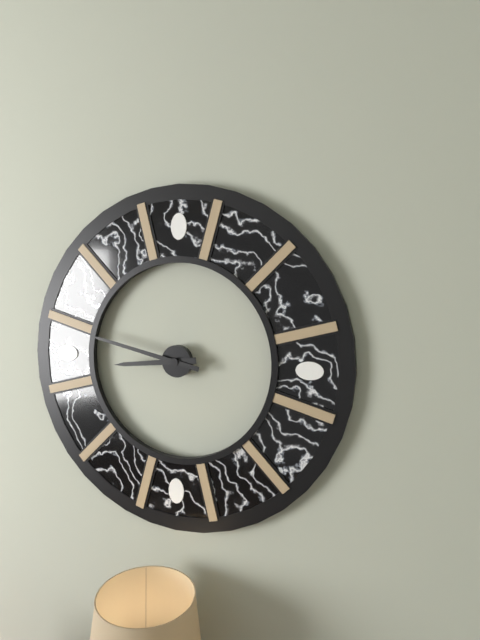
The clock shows 8.47
